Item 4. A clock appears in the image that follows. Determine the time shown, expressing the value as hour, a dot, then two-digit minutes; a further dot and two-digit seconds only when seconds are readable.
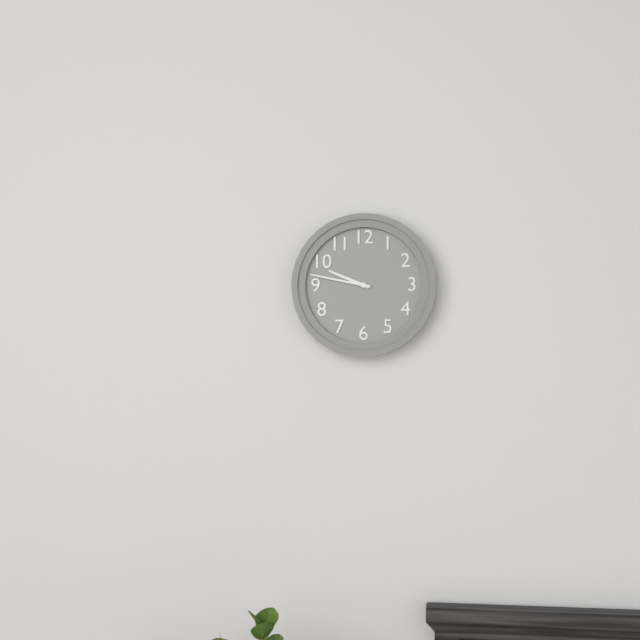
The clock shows 9.47
